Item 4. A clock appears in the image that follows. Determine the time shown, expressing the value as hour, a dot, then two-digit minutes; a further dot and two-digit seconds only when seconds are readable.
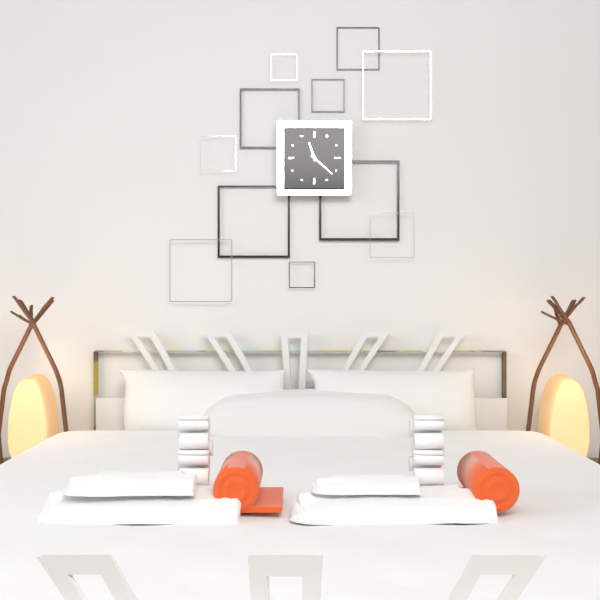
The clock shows 11.22
